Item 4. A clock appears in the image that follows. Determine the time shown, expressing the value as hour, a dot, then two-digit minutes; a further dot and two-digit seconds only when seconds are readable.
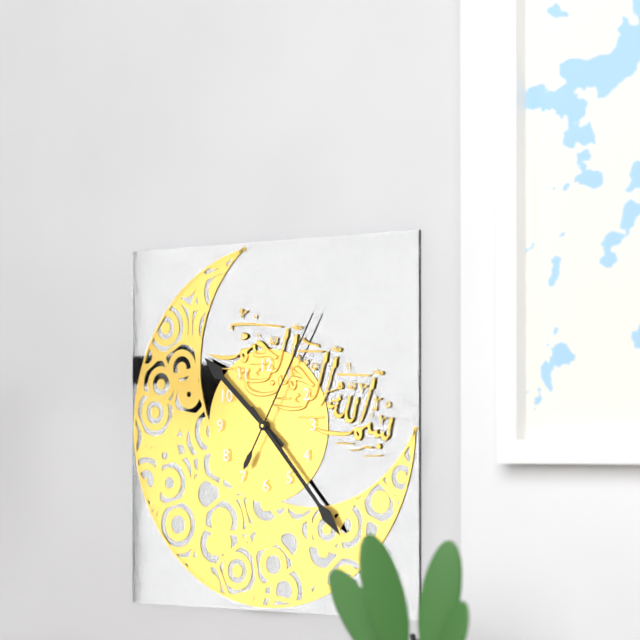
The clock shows 10.23.05
